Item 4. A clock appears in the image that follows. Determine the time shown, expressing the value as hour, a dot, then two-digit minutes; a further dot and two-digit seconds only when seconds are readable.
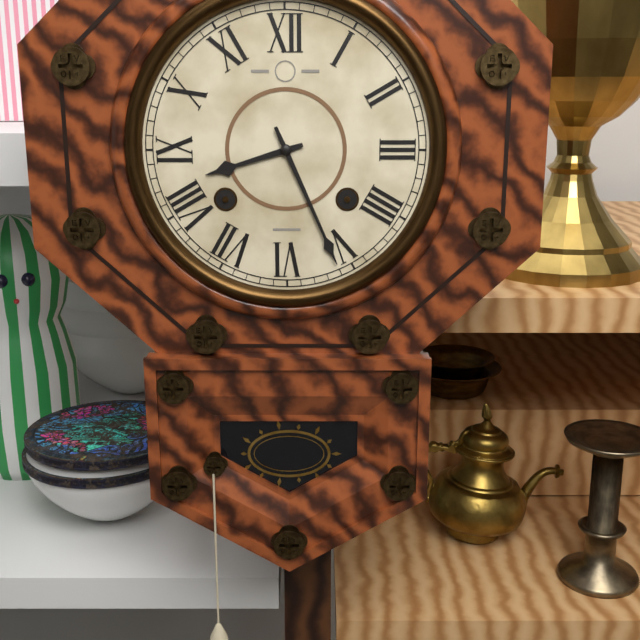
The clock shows 8.26
